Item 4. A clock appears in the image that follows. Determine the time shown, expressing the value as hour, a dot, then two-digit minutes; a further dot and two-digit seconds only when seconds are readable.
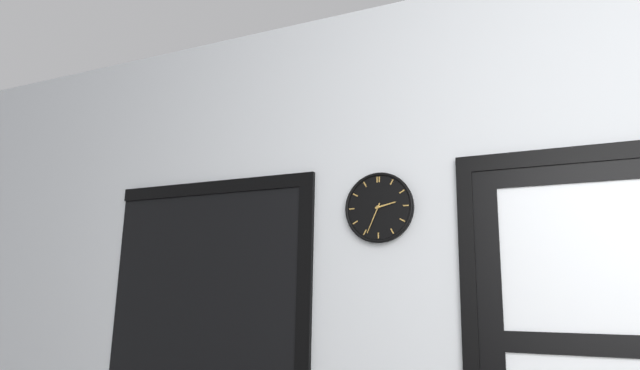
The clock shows 2.34
